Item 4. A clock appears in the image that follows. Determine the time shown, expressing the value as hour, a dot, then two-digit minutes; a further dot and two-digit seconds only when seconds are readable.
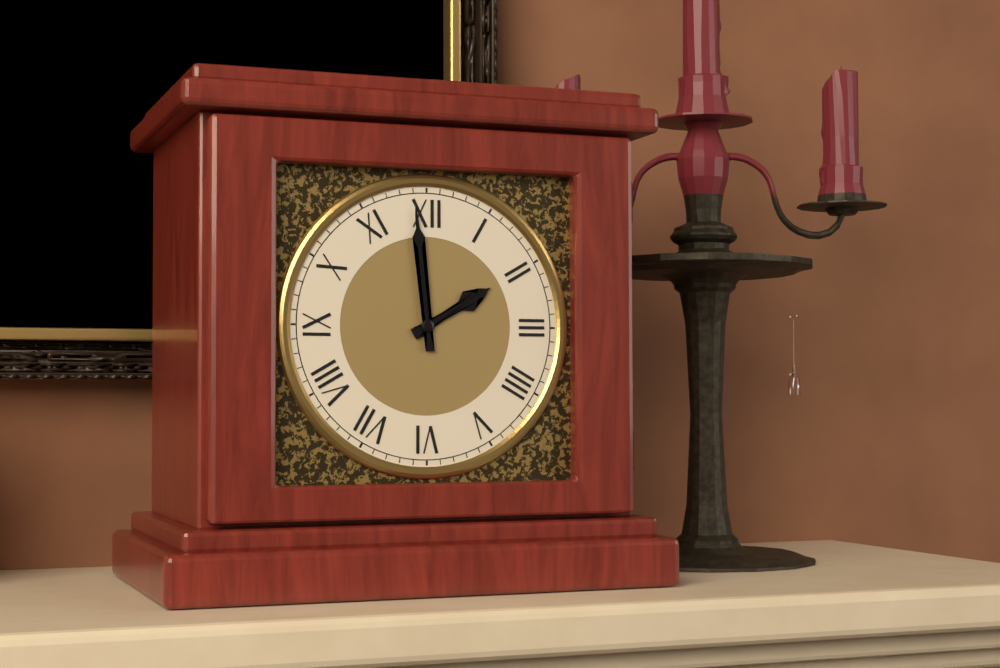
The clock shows 1.59
